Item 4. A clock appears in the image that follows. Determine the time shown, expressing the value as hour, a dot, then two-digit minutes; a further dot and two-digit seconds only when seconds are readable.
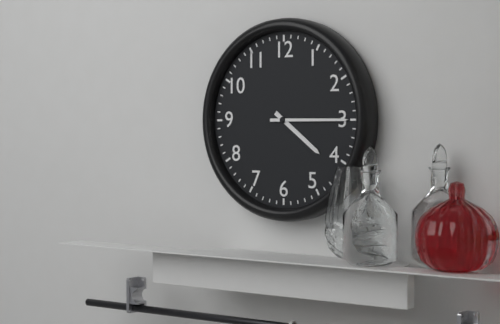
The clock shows 4.15
